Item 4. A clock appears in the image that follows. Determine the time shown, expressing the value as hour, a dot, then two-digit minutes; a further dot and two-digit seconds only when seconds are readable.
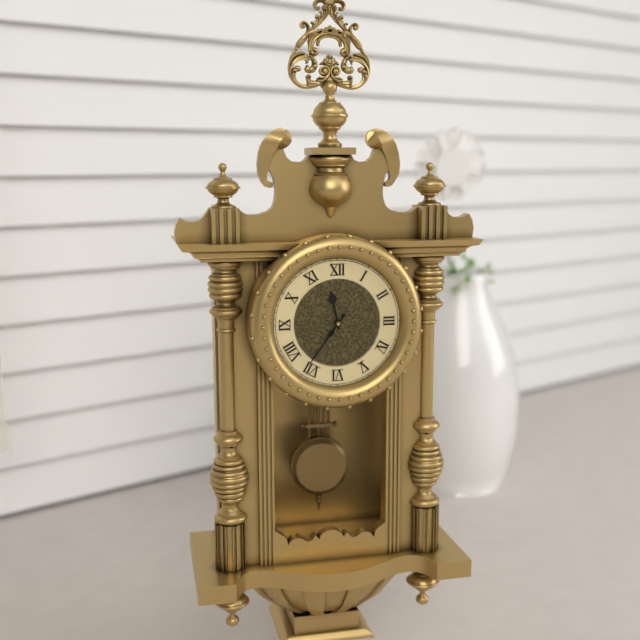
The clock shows 11.36
